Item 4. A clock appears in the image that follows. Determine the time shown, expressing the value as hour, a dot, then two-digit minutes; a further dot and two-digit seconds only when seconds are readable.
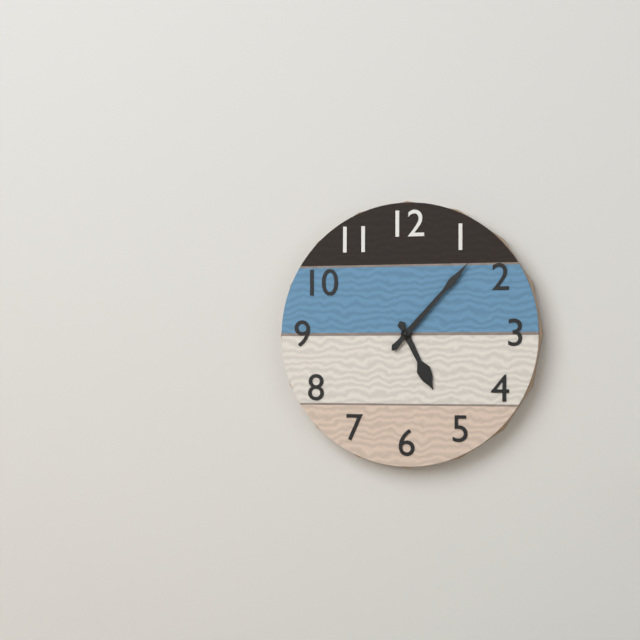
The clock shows 5.07
